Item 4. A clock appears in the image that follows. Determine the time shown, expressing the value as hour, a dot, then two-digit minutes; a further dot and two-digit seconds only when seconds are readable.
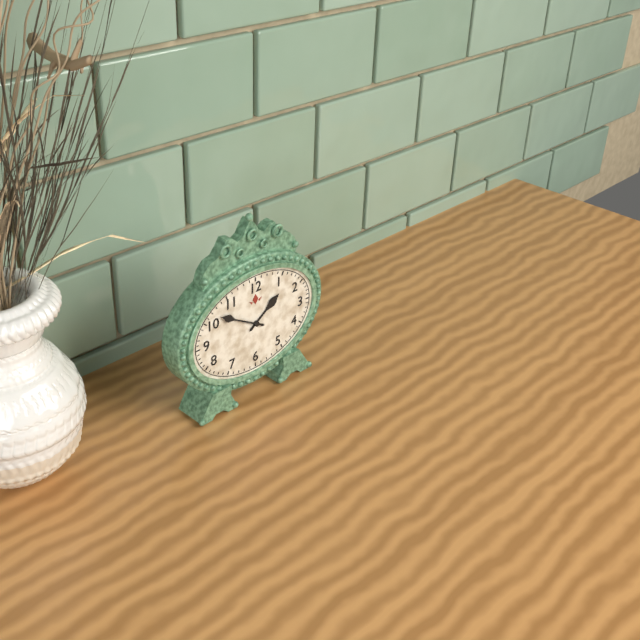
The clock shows 1.50
